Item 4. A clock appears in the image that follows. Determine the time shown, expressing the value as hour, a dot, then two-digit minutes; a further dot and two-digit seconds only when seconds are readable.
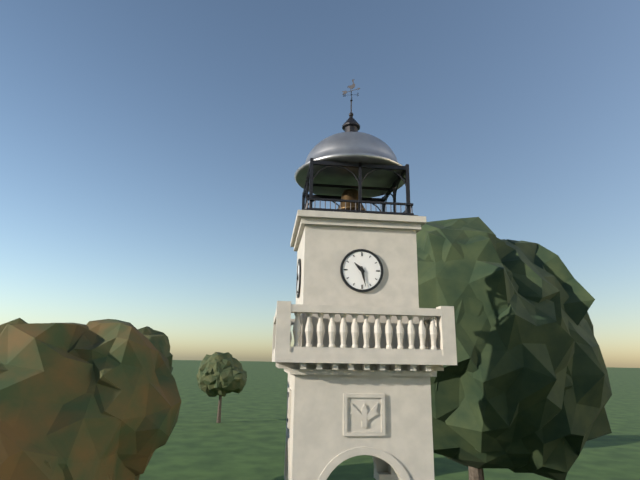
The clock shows 10.28
